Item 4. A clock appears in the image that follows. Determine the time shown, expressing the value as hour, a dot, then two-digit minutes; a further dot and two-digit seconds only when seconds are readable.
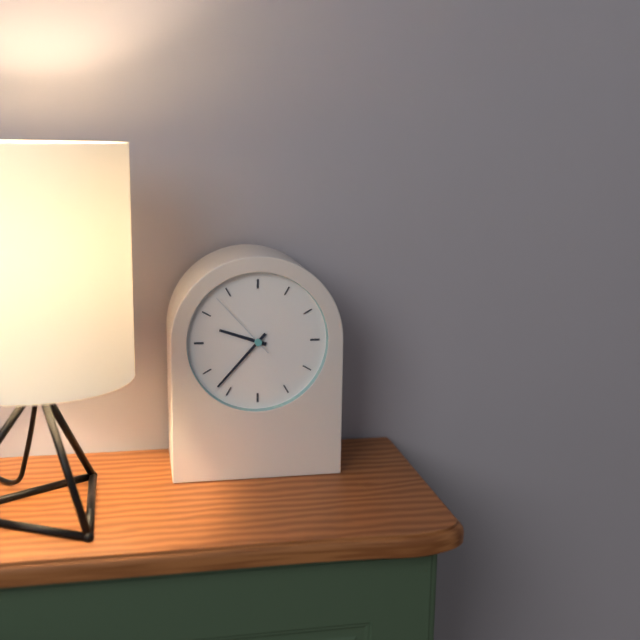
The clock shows 9.37.53
